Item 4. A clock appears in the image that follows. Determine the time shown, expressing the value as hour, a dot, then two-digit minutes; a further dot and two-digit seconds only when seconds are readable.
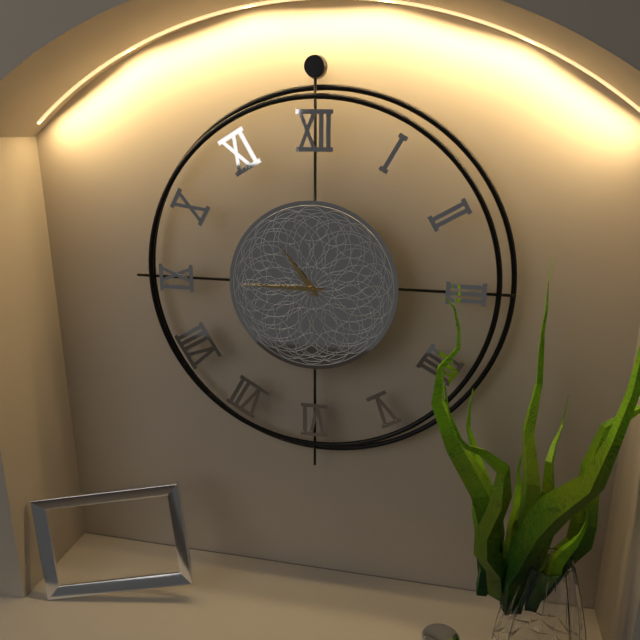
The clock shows 10.45
